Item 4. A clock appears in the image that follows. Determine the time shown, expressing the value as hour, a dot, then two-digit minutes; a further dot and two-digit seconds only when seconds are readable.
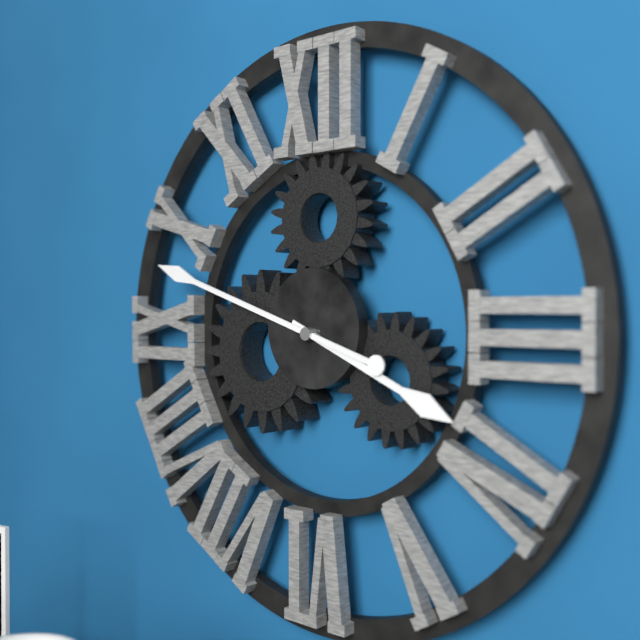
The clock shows 3.48
